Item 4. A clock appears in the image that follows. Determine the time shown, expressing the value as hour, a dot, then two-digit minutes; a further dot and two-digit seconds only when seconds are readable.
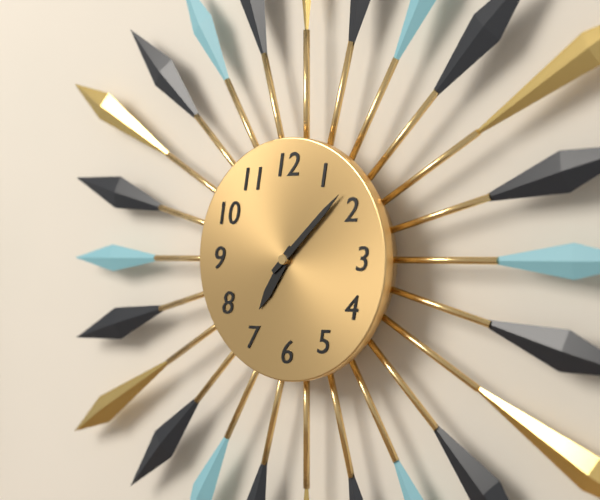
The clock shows 7.08
